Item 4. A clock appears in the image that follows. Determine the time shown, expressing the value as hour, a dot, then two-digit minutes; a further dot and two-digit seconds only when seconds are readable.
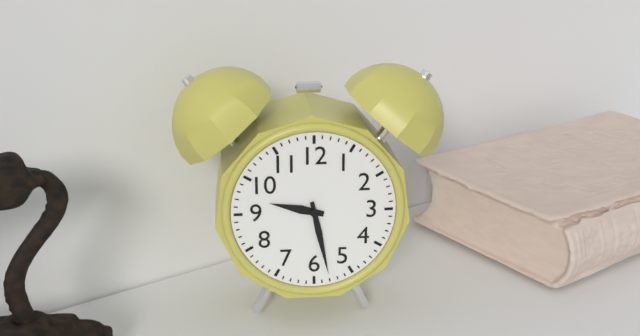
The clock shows 9.28
